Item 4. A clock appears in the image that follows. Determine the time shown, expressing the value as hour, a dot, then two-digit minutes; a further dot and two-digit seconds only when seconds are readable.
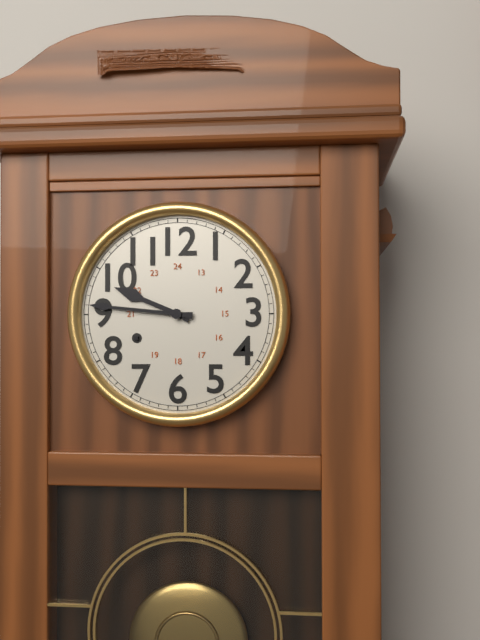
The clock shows 9.46
